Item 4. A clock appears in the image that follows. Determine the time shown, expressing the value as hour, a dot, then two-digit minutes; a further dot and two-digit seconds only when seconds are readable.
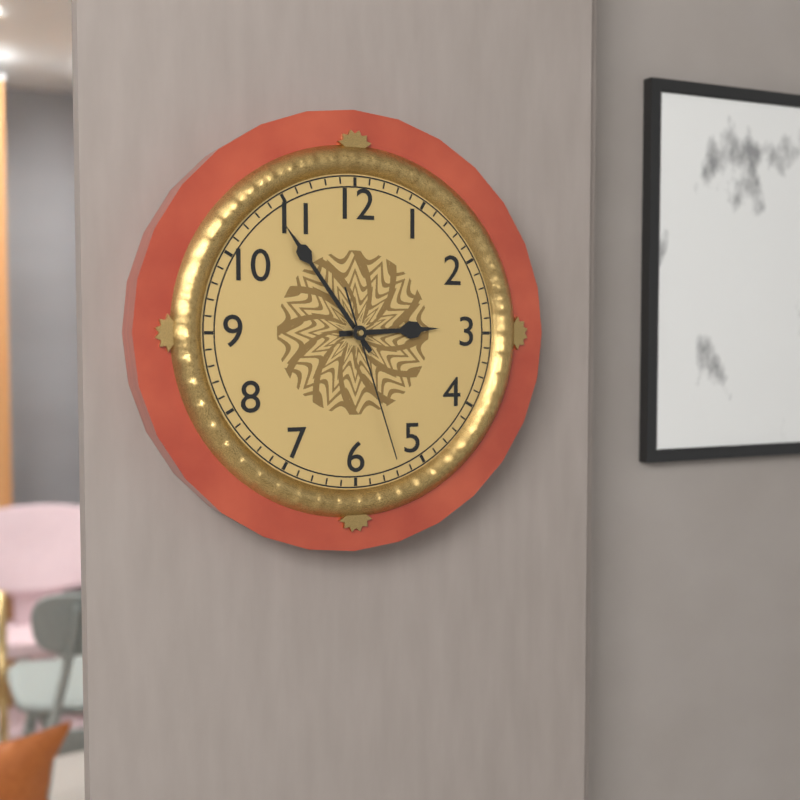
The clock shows 2.54.27
